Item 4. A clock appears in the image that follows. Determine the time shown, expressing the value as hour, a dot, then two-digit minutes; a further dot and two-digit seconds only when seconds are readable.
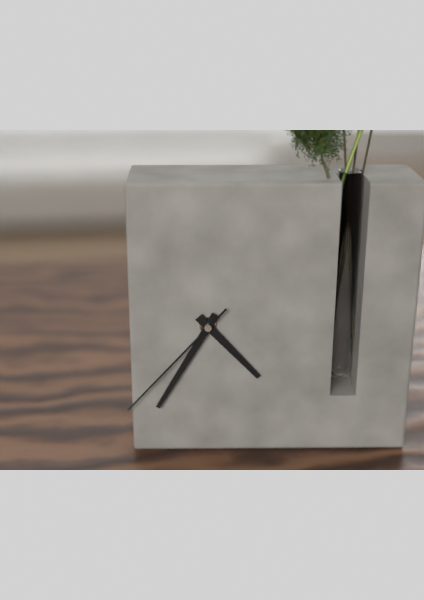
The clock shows 4.35.37
